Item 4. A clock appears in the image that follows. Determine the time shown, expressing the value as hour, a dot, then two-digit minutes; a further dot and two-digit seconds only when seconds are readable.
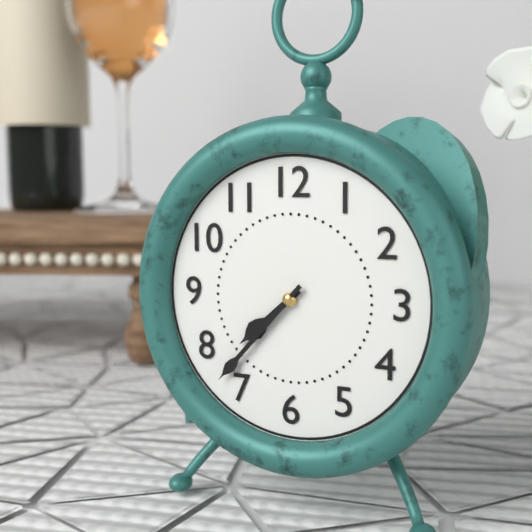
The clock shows 7.37
